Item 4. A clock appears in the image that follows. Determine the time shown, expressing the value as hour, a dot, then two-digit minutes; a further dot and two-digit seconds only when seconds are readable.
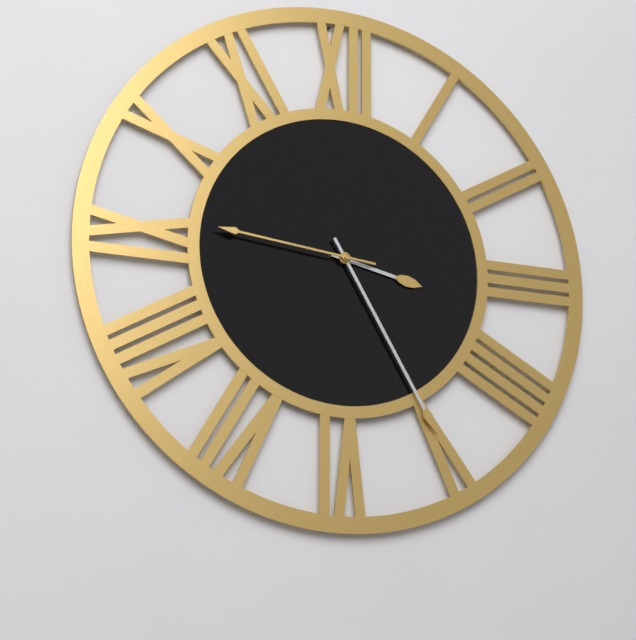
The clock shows 3.25.46
